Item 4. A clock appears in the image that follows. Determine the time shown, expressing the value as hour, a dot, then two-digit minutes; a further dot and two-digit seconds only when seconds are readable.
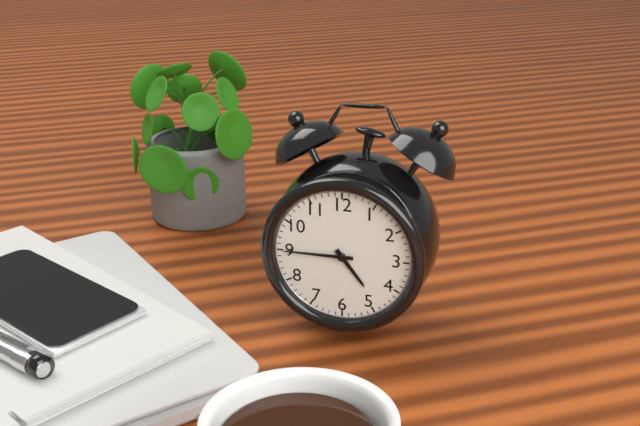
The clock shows 4.45
